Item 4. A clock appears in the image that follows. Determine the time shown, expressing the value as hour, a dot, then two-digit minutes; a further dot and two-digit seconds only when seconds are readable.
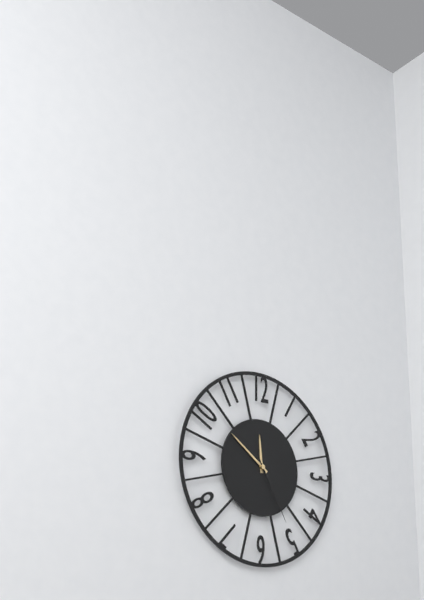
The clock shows 11.51.25
